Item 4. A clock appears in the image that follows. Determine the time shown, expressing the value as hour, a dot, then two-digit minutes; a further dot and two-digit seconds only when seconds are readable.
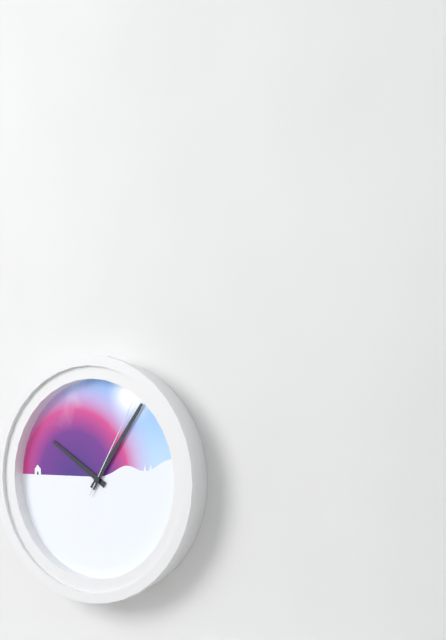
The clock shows 10.06.05
